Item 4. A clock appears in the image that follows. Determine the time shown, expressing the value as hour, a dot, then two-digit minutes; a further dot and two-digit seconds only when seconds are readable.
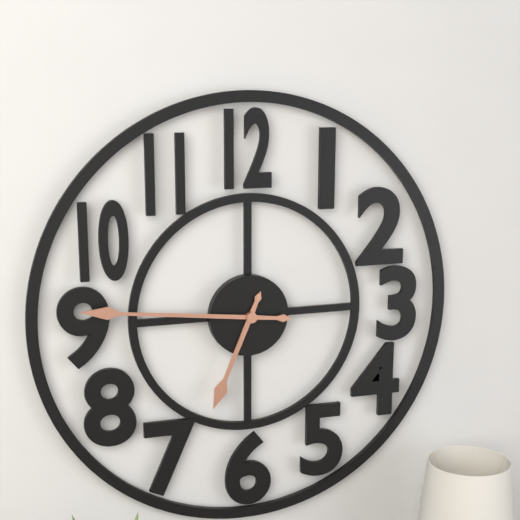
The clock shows 6.46
